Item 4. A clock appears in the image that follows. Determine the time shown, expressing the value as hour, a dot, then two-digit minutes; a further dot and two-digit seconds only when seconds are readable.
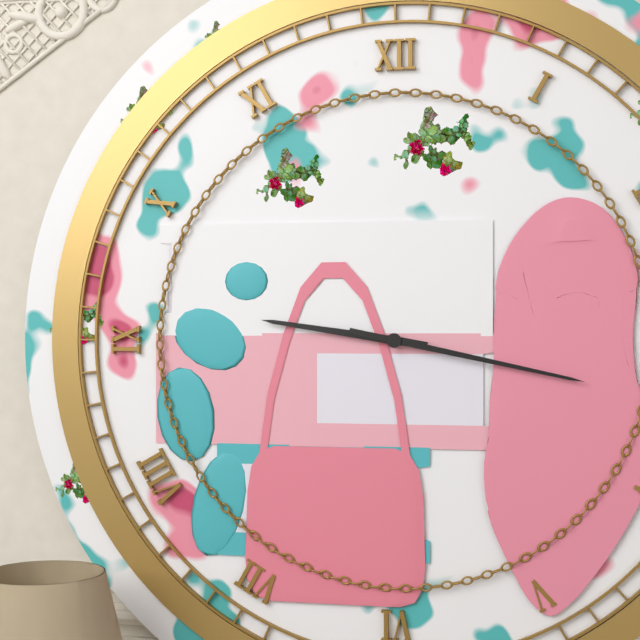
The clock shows 9.17
